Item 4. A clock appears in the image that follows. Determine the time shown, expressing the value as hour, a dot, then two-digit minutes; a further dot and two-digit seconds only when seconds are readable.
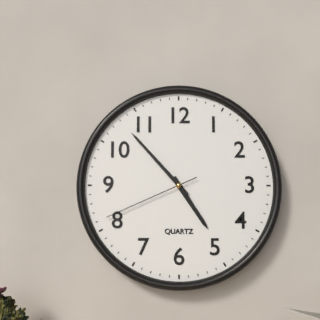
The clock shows 4.53.41
